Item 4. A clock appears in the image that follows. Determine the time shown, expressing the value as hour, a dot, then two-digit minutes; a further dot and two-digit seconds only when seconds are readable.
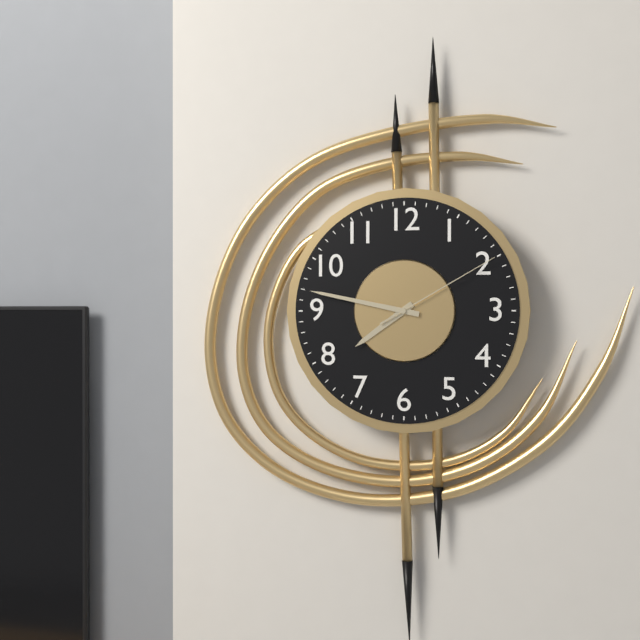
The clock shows 7.47.10
